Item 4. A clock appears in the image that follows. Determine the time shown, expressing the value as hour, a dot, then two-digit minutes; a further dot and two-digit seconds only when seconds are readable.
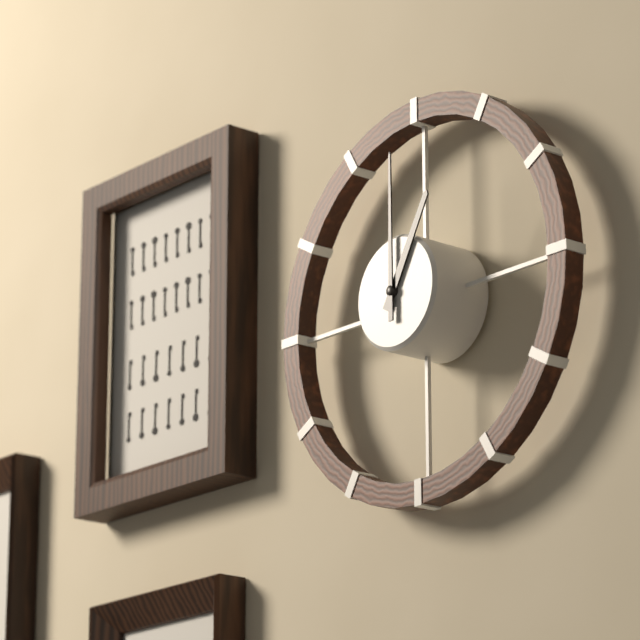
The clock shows 1.00
